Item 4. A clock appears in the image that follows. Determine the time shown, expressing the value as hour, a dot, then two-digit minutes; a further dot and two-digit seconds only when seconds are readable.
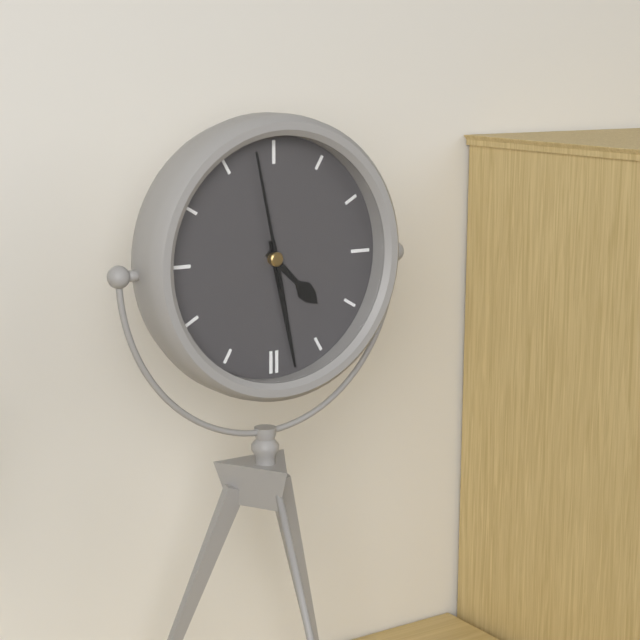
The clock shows 4.28.58
